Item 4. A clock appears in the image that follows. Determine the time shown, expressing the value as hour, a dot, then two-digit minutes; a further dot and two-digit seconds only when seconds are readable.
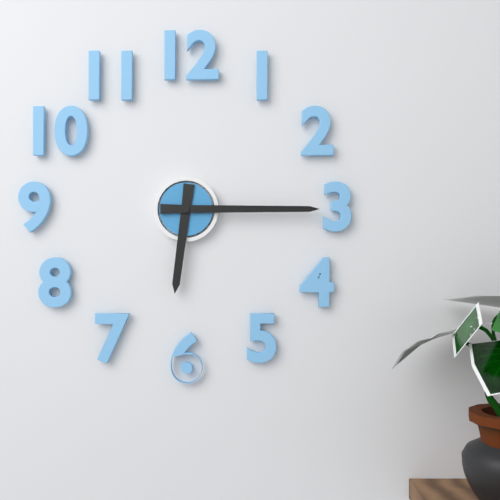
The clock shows 6.15
